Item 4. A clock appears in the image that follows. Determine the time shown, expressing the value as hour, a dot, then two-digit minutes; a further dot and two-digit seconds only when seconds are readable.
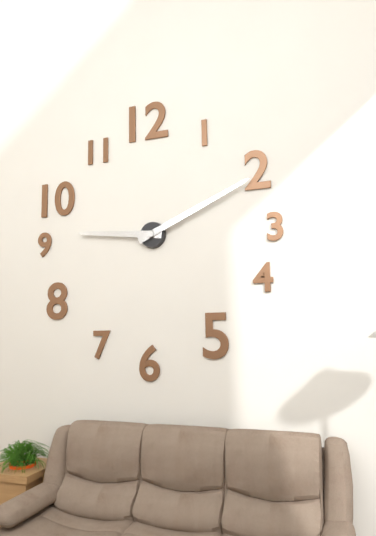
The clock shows 9.11
